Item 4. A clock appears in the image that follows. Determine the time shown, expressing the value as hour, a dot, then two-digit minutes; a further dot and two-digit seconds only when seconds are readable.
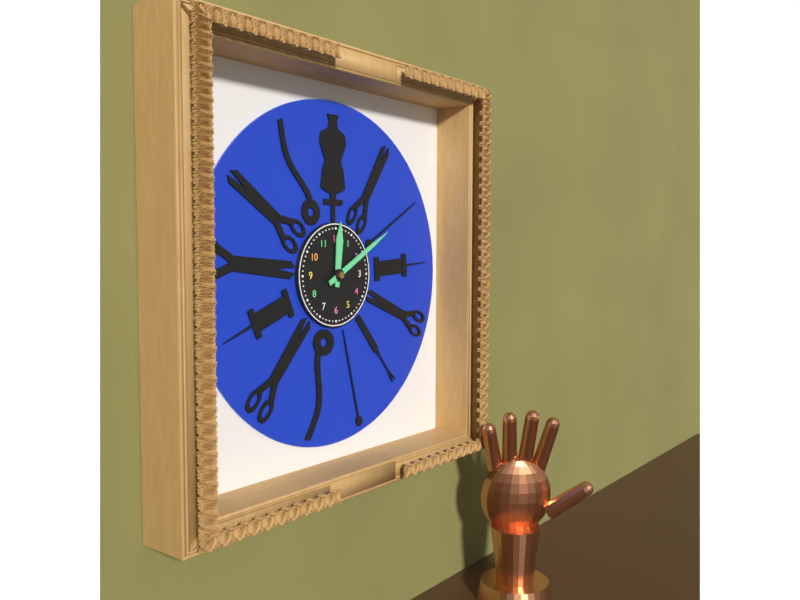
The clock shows 12.10
